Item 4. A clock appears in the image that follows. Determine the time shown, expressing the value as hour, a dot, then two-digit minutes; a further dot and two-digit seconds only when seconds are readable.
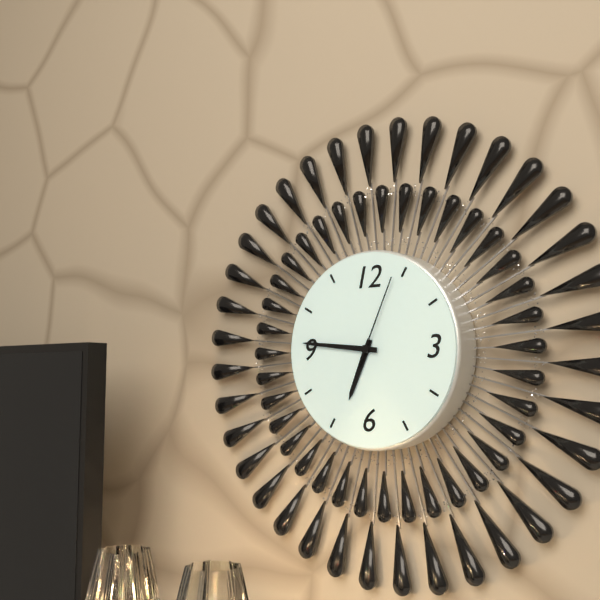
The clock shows 6.46.04
